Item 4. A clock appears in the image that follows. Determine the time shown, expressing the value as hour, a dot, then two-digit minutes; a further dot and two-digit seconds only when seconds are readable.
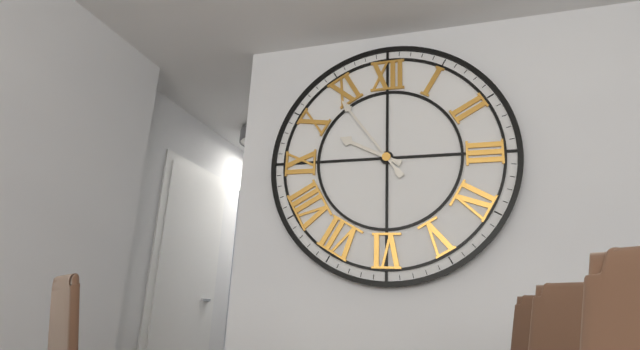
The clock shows 9.54
